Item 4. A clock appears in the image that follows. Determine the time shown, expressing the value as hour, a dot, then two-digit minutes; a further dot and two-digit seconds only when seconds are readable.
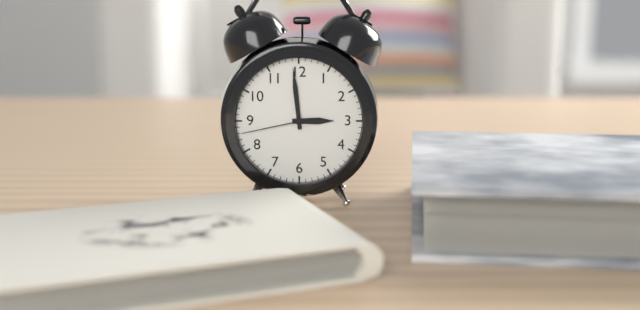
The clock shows 2.59.43
